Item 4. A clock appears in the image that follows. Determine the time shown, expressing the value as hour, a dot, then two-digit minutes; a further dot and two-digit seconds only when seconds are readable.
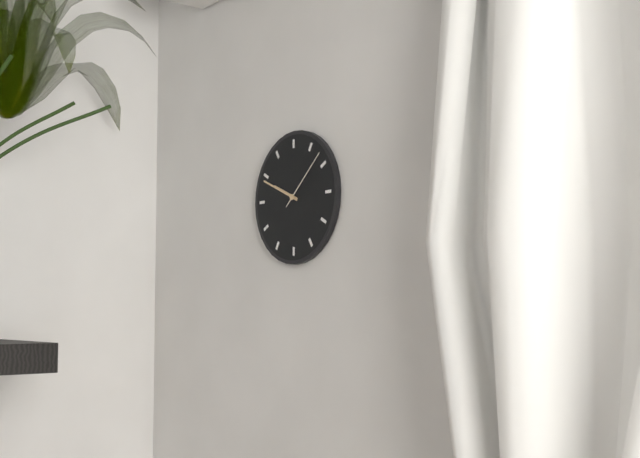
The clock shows 9.49.08
